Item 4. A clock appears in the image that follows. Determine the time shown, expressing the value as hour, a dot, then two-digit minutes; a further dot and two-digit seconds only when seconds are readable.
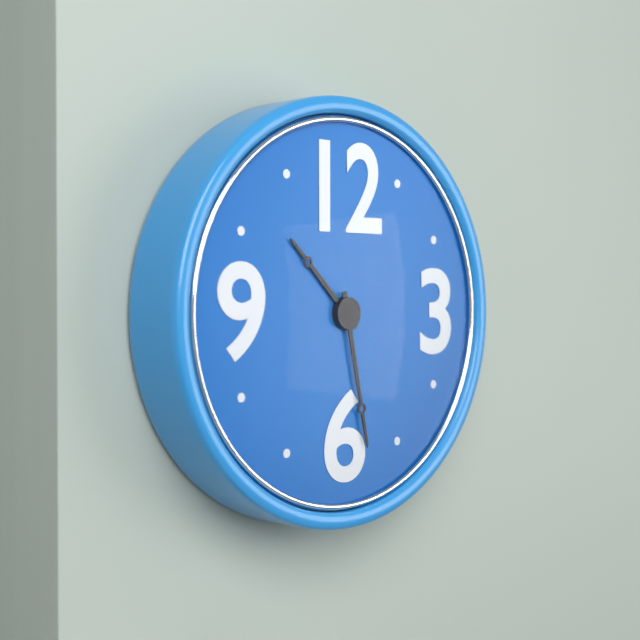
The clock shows 10.28
